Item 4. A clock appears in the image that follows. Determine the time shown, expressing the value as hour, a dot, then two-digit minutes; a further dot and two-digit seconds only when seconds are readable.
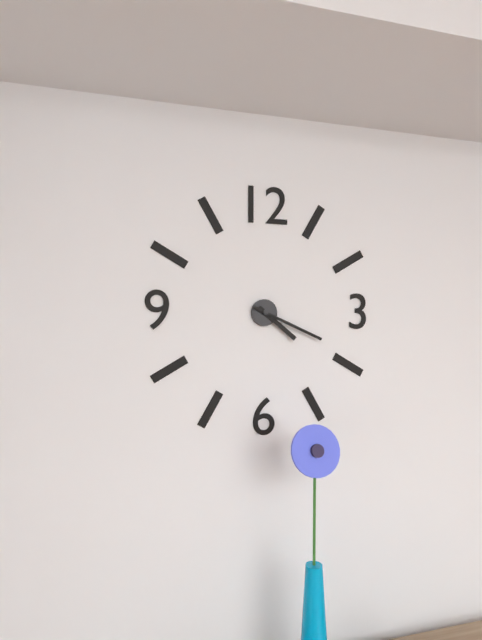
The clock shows 4.19
